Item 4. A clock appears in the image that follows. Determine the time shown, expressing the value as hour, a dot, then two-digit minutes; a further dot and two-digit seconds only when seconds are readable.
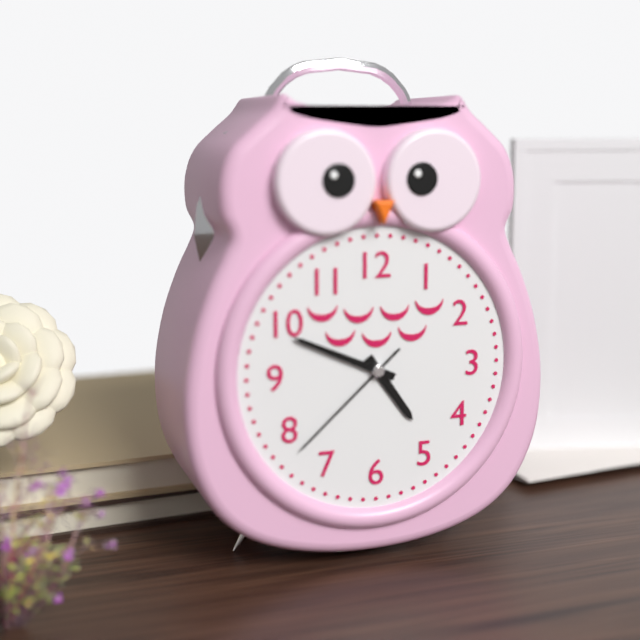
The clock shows 4.49.38
